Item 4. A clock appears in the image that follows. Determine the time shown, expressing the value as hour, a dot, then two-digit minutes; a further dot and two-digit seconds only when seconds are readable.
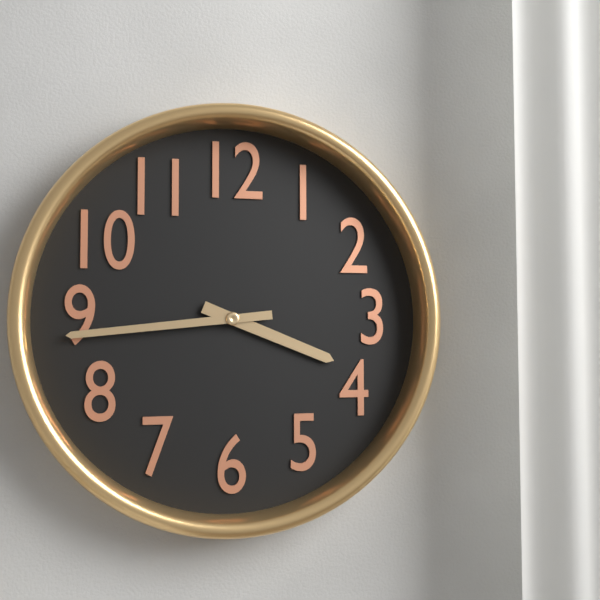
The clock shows 3.44
